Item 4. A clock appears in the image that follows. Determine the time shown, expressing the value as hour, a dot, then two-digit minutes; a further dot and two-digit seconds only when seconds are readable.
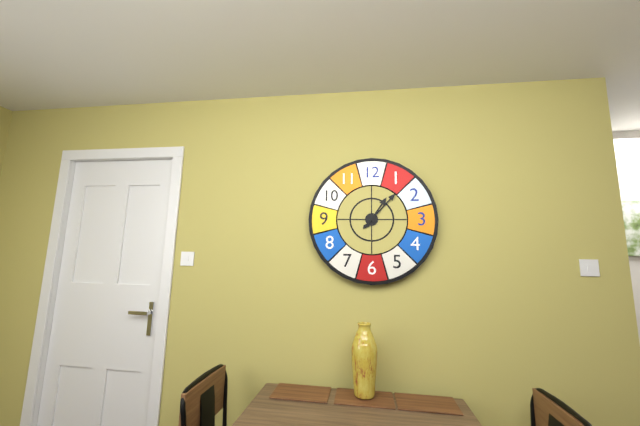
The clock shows 1.07
